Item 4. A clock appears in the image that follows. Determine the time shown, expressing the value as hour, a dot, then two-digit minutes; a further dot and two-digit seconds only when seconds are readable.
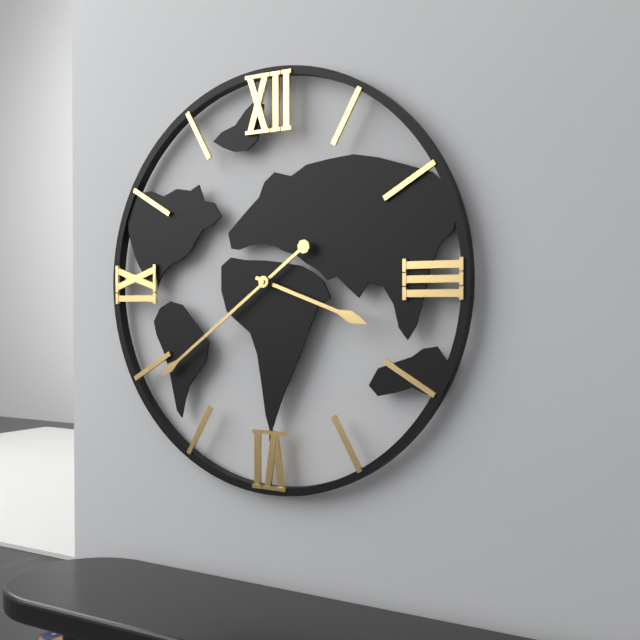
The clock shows 3.39
